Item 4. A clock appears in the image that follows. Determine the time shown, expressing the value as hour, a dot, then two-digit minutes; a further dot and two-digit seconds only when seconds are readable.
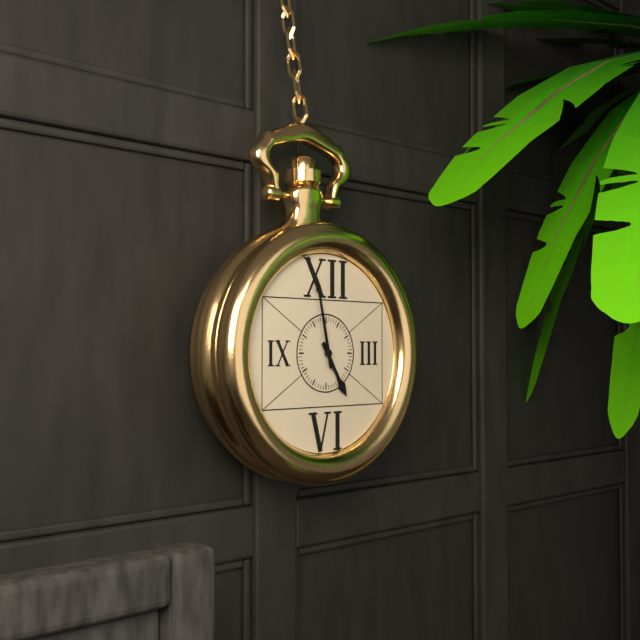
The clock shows 4.58
